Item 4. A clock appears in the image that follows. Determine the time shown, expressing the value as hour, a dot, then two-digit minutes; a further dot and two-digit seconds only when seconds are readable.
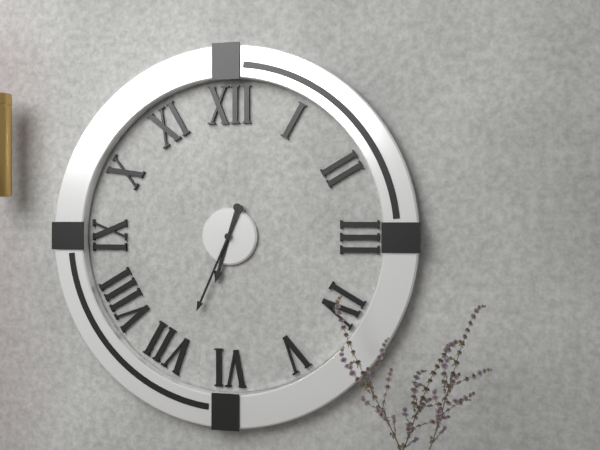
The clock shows 6.34
